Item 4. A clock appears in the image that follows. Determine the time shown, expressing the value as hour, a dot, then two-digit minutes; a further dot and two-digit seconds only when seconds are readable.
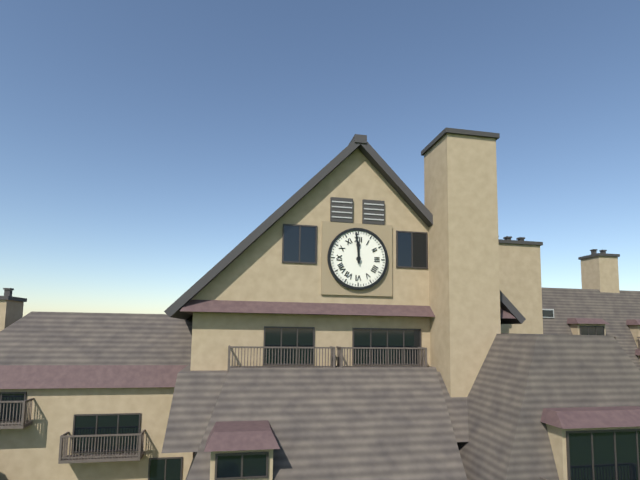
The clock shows 11.59
